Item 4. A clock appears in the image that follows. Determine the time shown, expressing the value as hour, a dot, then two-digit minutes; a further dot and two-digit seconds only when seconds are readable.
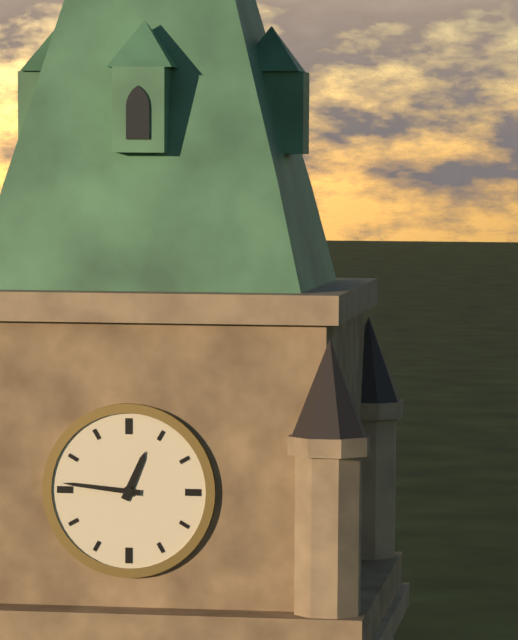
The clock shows 12.46
